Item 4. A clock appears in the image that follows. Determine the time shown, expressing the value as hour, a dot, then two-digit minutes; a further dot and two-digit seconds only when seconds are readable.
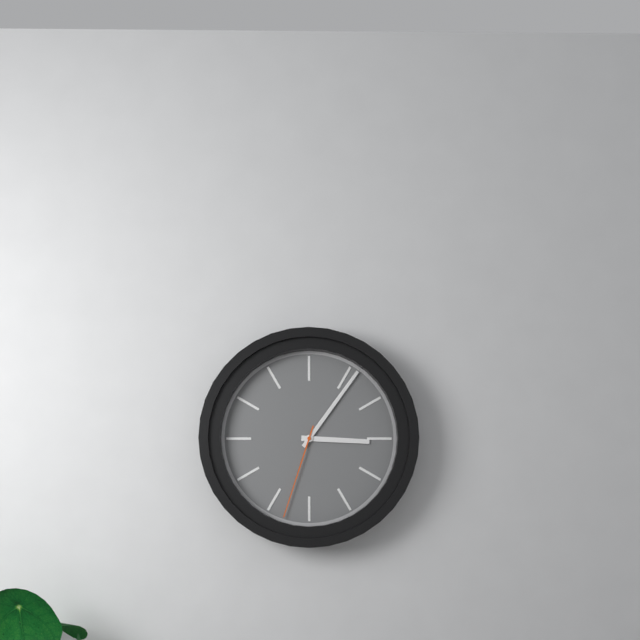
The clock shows 3.06.33
